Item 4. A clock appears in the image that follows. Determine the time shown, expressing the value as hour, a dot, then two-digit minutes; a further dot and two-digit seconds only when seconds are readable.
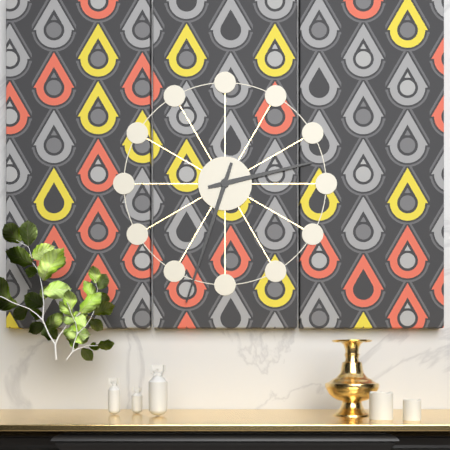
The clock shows 2.33
